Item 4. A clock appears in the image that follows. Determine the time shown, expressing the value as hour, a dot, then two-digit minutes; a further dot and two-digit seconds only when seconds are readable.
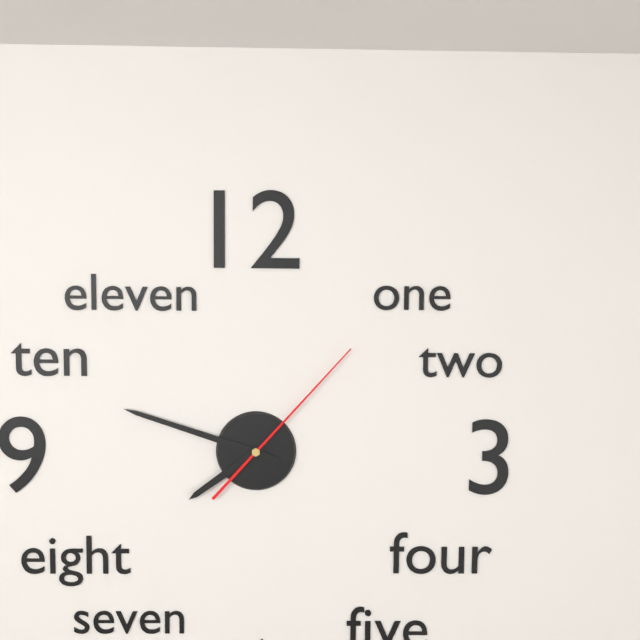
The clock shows 7.48.07
